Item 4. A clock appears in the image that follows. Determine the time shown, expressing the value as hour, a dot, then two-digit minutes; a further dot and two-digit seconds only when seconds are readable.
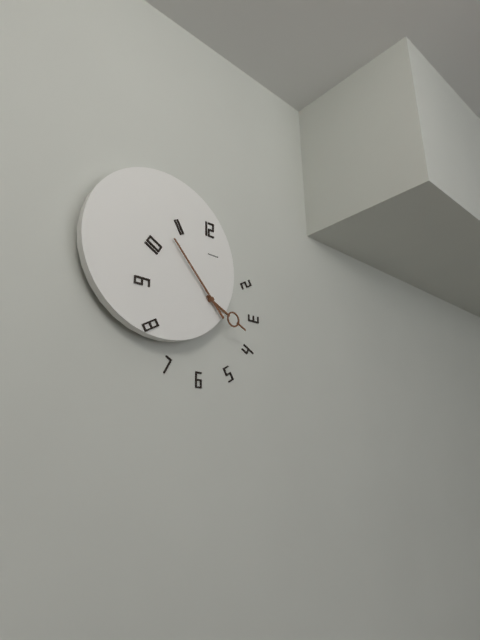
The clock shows 3.53
